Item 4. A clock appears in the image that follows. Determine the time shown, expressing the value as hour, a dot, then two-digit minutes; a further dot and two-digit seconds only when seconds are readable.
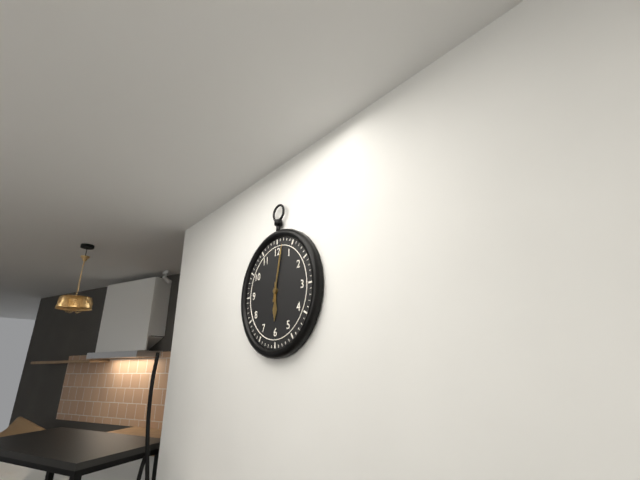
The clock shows 6.02
